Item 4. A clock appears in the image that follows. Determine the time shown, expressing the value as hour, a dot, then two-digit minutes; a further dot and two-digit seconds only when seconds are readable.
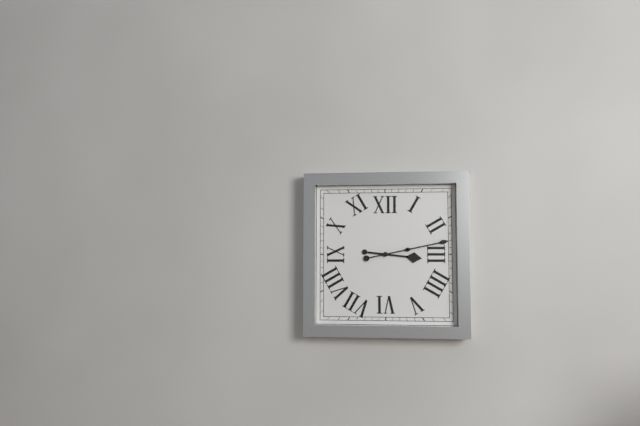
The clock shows 3.13
